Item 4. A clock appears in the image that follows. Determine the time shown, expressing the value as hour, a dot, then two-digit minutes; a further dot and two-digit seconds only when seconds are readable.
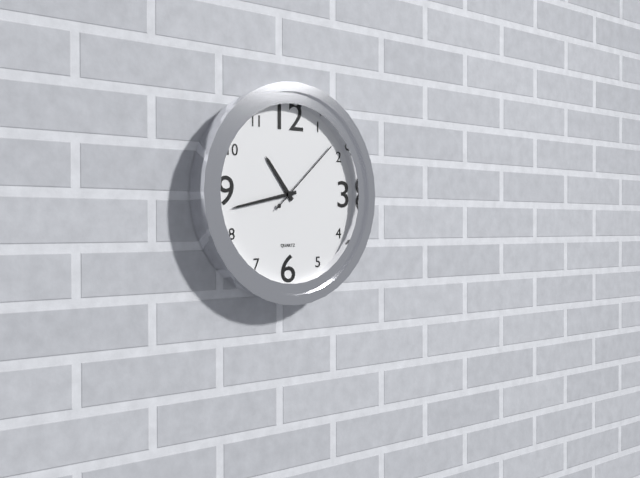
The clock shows 10.43.08
